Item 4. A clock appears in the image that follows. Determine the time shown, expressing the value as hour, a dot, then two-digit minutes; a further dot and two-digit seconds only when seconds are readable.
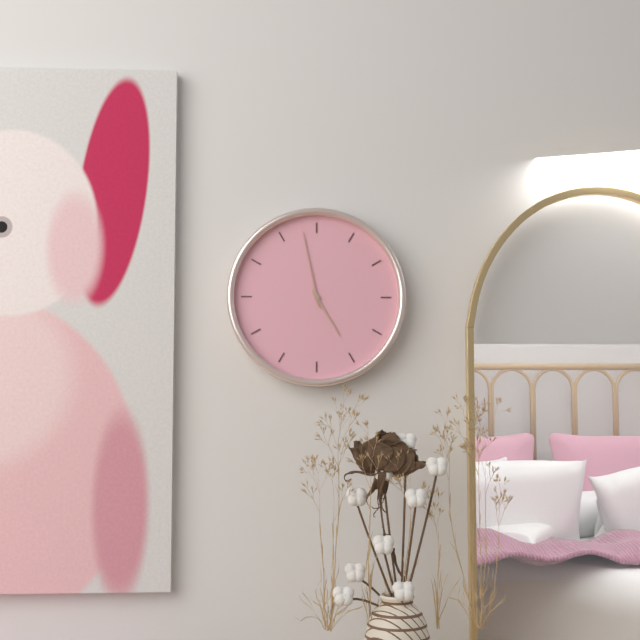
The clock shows 4.58
